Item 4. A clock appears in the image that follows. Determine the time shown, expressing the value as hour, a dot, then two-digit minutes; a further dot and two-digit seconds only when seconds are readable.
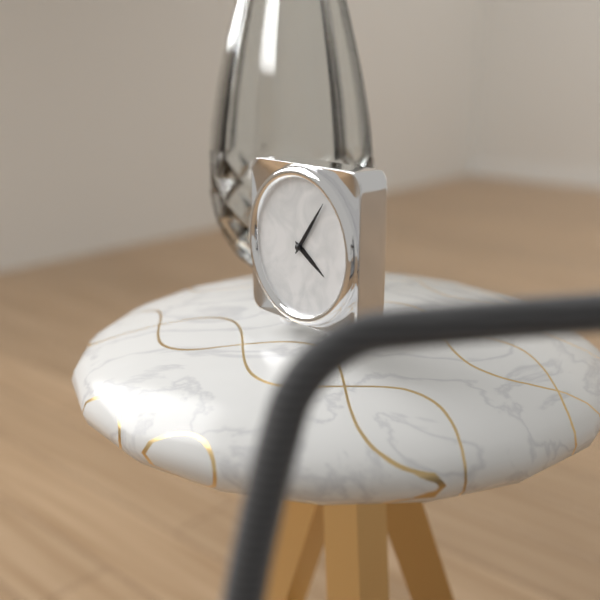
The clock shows 4.06
